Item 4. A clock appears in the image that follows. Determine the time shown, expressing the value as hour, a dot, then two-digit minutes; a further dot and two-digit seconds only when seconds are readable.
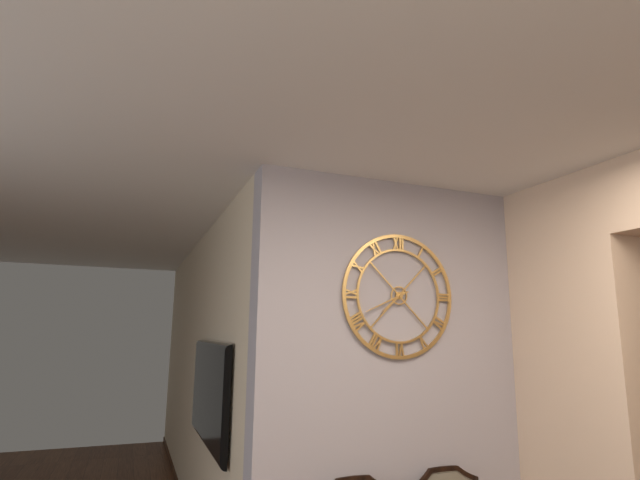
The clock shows 7.41
